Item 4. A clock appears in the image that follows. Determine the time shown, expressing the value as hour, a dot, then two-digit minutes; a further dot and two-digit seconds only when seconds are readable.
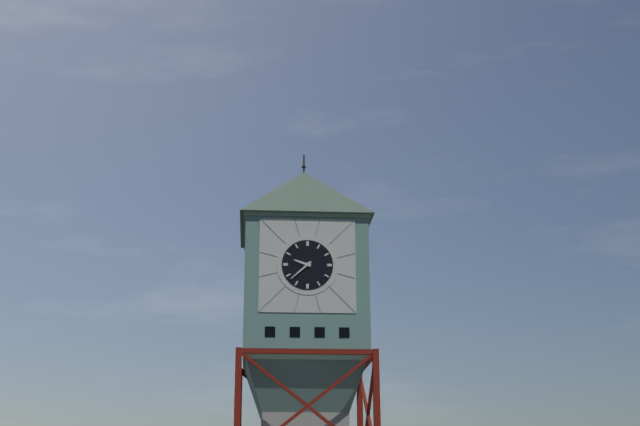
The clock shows 9.38
